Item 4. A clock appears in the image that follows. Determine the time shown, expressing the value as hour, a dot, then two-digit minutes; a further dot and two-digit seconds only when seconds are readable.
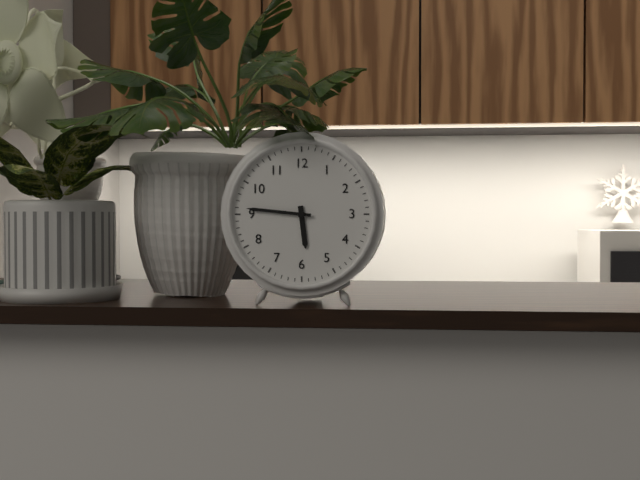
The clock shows 5.46
